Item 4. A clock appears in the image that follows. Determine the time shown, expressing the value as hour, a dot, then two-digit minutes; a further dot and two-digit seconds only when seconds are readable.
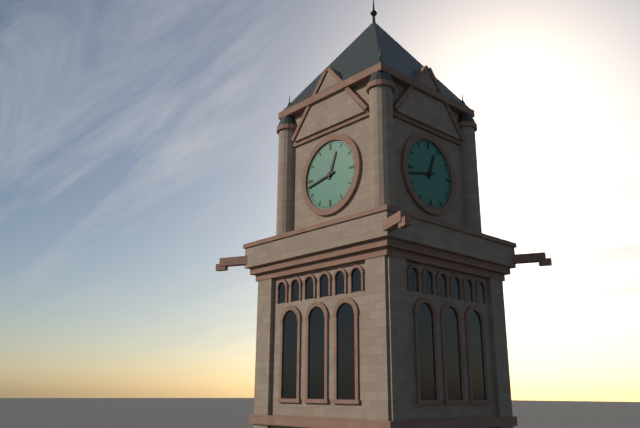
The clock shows 12.43
